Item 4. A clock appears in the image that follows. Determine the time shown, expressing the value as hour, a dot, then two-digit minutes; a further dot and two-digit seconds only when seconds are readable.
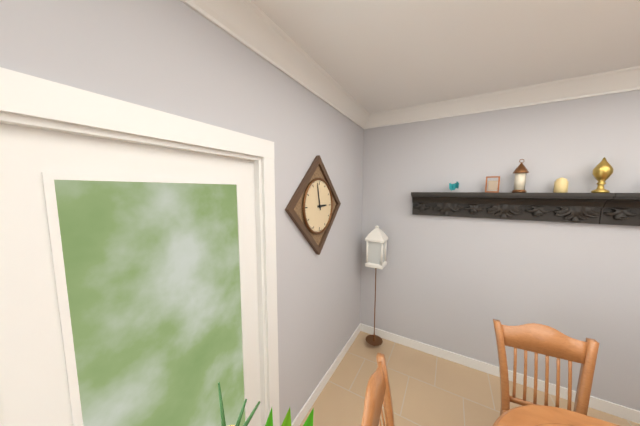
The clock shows 2.58
